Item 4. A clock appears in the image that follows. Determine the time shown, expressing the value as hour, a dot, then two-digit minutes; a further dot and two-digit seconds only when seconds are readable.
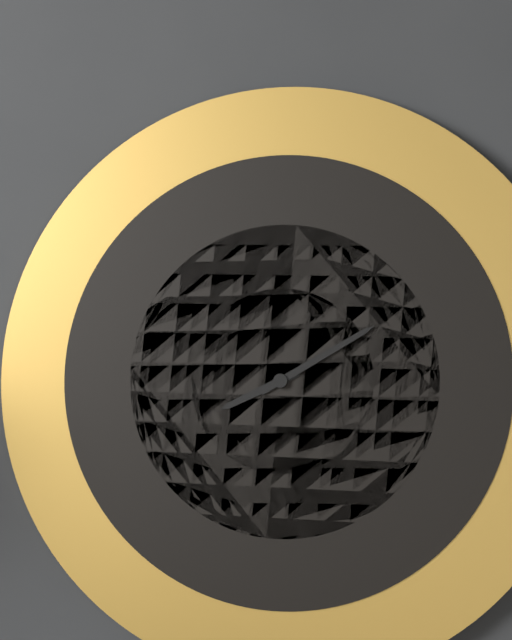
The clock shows 8.10
